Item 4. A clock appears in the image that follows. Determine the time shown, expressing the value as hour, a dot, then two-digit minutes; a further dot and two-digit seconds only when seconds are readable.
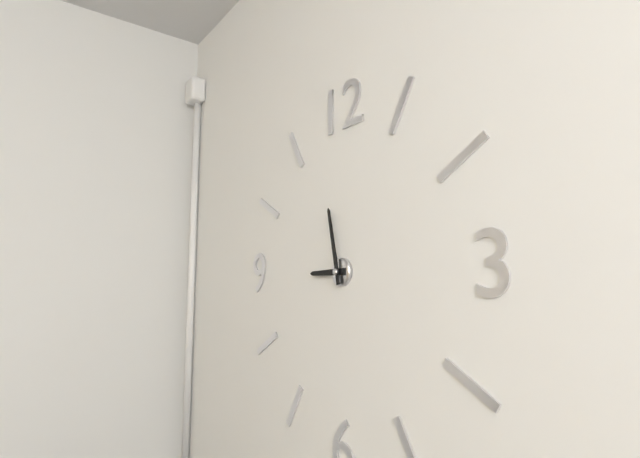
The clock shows 8.58
